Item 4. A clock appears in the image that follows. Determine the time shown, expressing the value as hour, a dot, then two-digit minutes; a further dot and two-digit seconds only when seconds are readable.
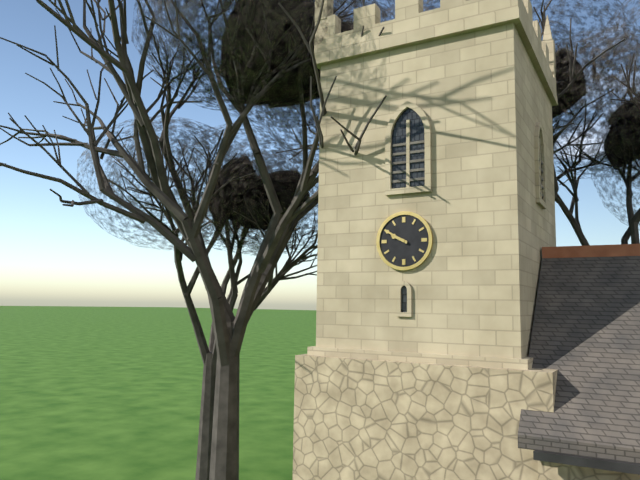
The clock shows 9.50
